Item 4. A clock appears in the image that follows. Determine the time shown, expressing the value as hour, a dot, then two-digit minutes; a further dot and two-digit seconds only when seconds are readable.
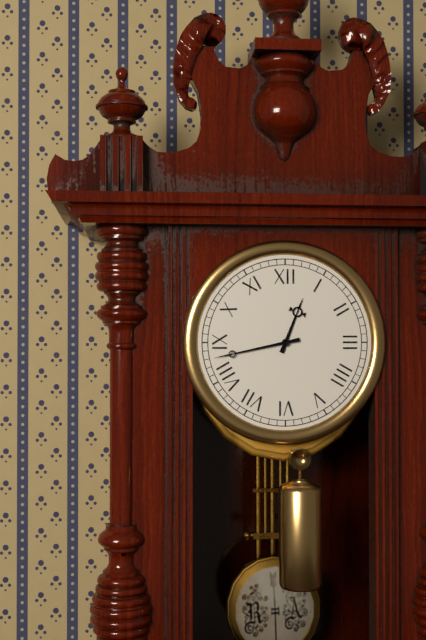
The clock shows 12.43
